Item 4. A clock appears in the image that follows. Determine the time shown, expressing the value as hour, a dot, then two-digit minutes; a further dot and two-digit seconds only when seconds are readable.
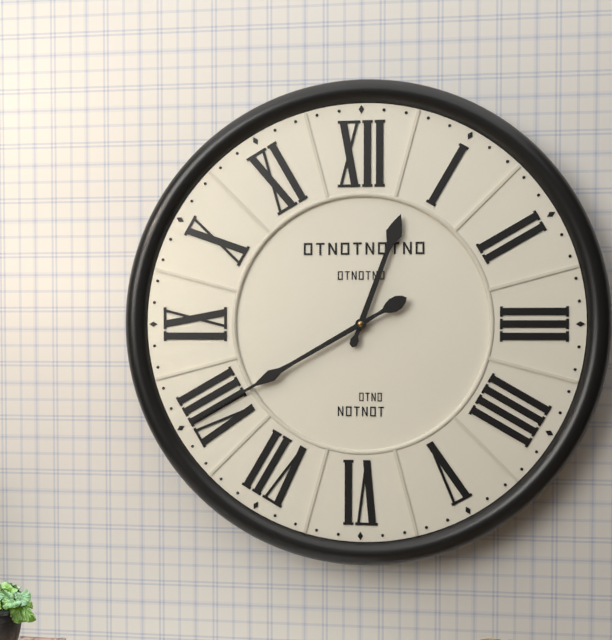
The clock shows 12.40
